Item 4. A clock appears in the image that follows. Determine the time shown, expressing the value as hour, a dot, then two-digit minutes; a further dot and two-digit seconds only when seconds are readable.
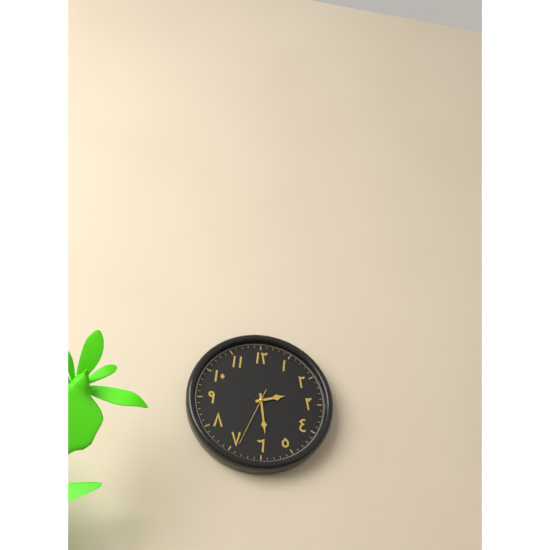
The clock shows 2.29.34
